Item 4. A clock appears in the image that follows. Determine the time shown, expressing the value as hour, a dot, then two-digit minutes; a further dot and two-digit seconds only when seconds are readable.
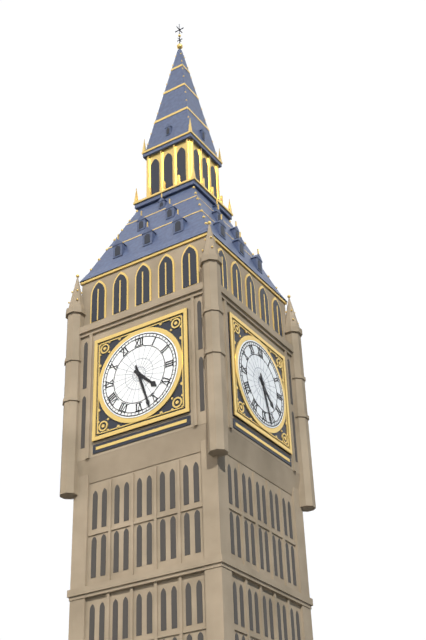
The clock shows 4.27
